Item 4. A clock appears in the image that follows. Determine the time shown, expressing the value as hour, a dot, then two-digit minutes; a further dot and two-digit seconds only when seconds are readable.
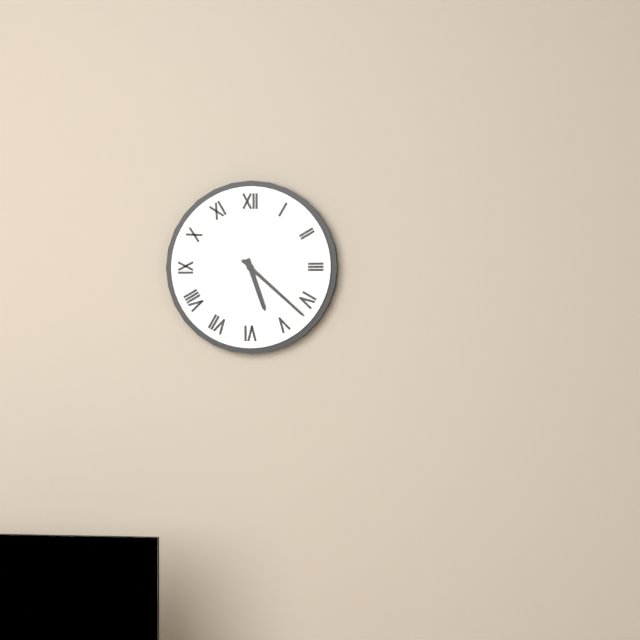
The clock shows 5.22
